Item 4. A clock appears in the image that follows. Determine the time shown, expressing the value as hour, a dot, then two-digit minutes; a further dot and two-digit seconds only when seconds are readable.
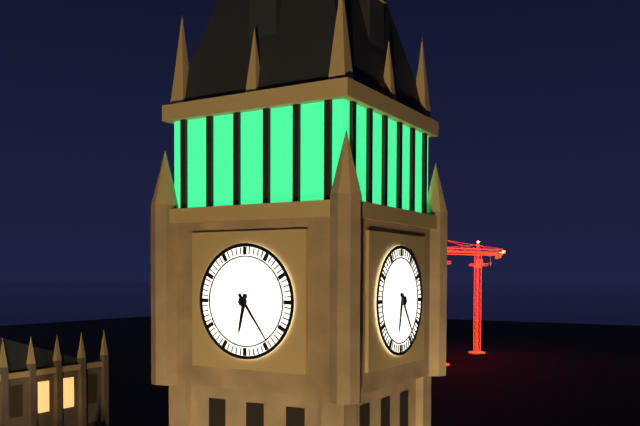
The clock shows 6.24
